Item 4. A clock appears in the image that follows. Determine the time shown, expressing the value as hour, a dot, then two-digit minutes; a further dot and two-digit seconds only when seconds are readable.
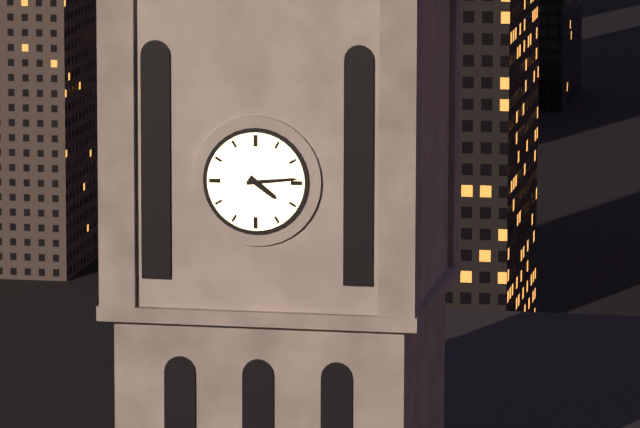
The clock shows 4.14
